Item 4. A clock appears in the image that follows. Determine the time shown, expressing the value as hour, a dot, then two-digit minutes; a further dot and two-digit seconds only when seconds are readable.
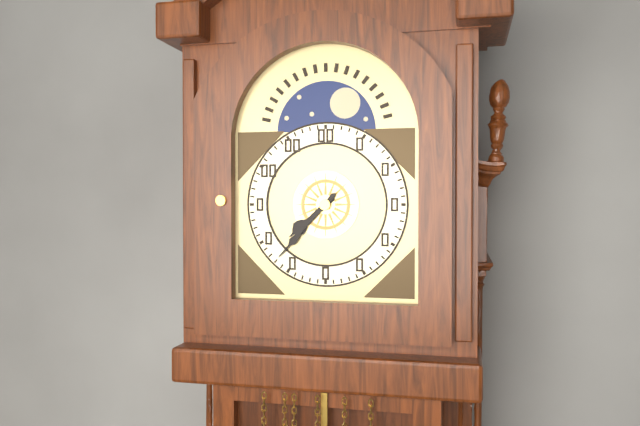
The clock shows 7.37
